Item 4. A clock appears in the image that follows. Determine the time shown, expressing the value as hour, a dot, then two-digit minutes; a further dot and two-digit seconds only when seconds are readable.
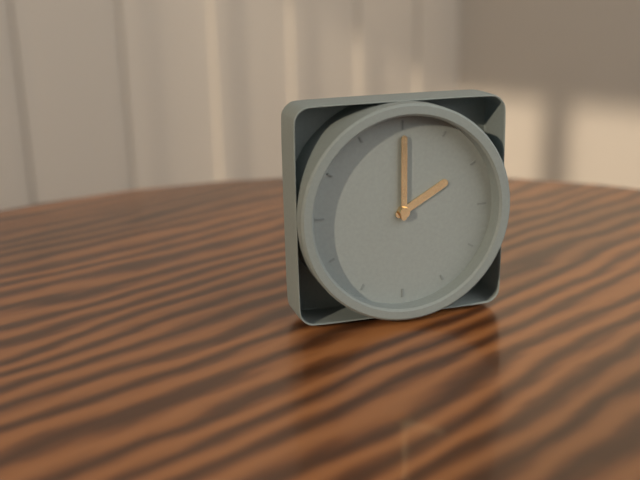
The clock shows 2.00
